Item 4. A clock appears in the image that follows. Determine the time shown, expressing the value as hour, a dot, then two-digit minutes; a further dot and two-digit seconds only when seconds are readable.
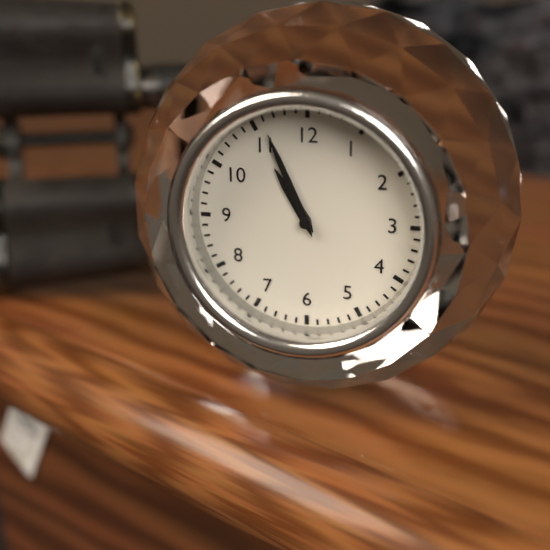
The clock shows 10.56
